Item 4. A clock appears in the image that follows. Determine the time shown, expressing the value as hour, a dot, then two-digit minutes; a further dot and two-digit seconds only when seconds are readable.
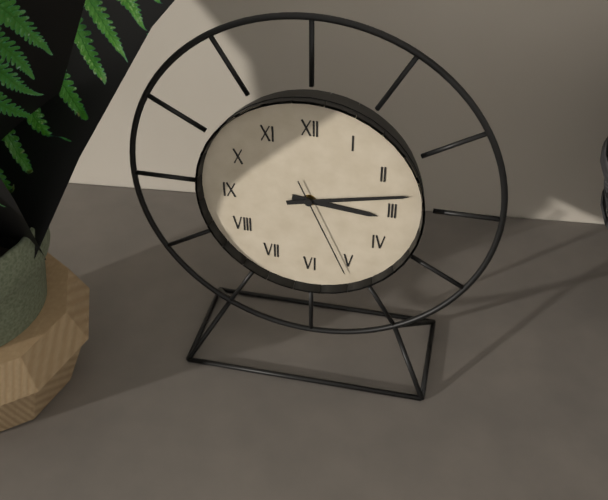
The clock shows 3.13.26
